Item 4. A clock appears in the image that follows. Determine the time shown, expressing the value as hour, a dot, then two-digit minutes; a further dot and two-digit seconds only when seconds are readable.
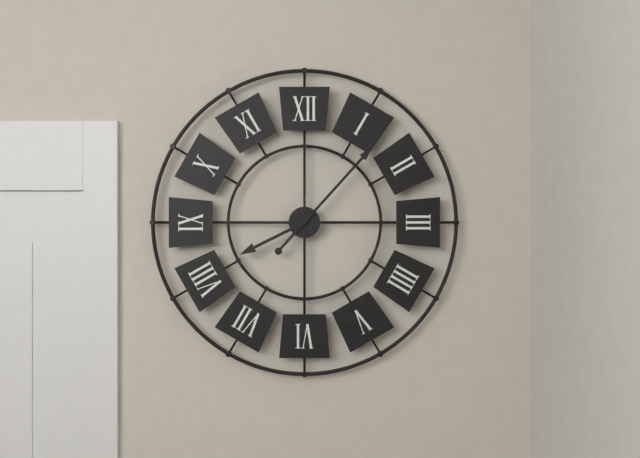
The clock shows 8.07
